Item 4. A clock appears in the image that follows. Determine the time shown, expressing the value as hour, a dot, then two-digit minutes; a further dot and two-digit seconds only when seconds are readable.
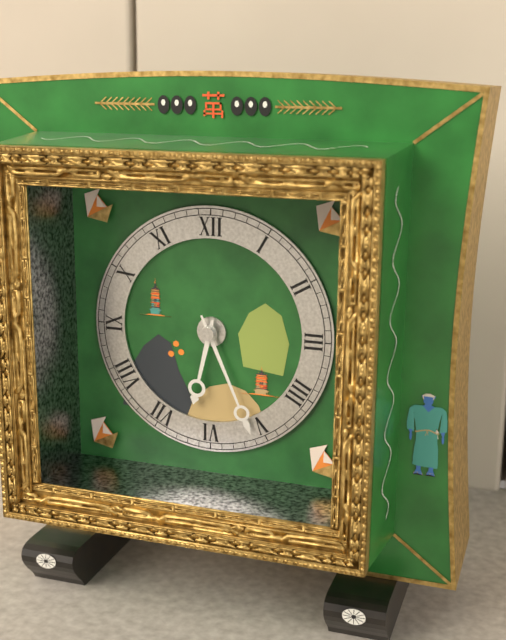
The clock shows 6.26
